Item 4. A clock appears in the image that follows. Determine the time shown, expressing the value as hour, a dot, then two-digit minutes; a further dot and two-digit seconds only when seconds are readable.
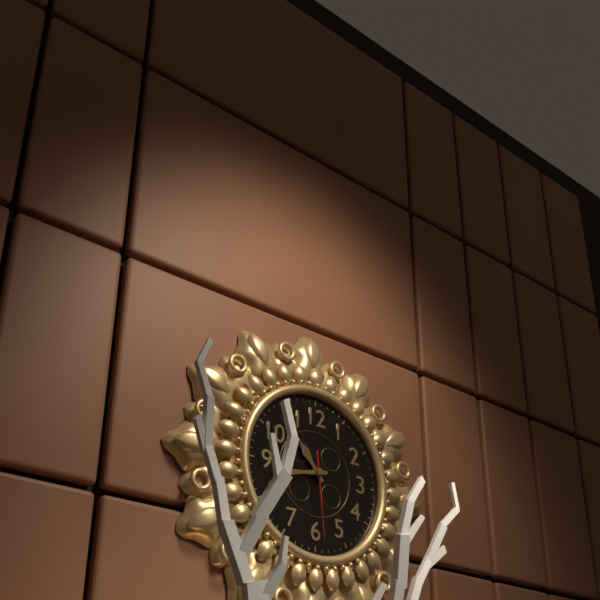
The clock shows 10.43.29
